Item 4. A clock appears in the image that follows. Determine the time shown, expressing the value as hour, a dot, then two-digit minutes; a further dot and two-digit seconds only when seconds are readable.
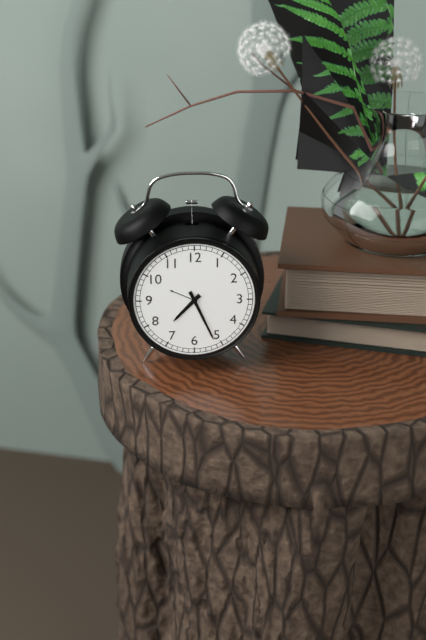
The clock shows 7.26
